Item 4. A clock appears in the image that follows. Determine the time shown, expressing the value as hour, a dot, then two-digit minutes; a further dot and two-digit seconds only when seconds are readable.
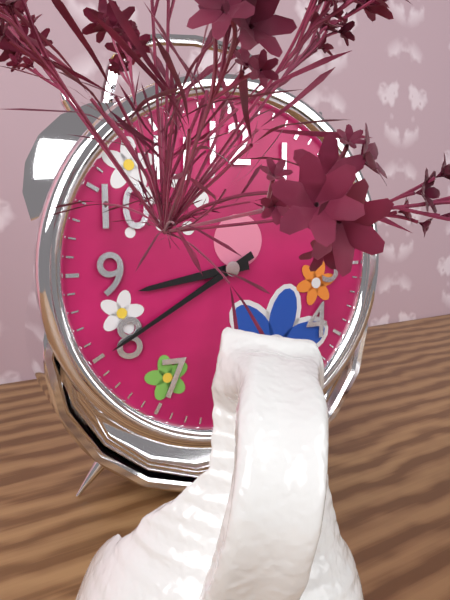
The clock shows 8.40
